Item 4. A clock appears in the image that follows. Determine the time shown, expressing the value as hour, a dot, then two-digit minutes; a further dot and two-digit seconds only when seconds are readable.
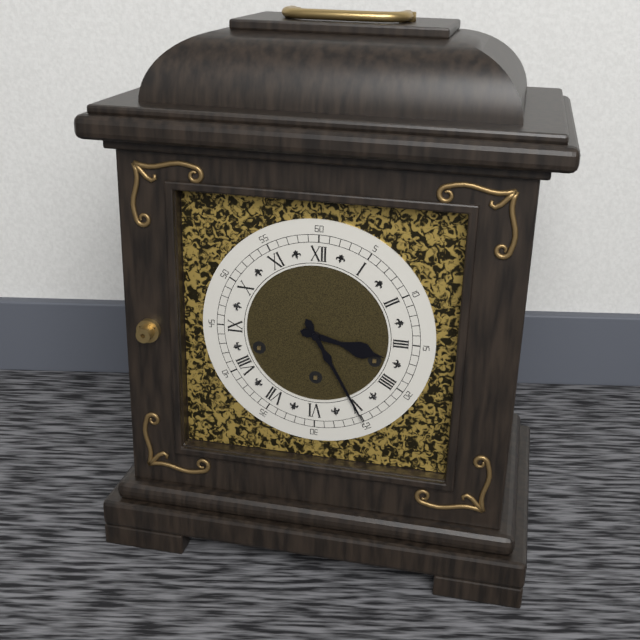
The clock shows 3.25
